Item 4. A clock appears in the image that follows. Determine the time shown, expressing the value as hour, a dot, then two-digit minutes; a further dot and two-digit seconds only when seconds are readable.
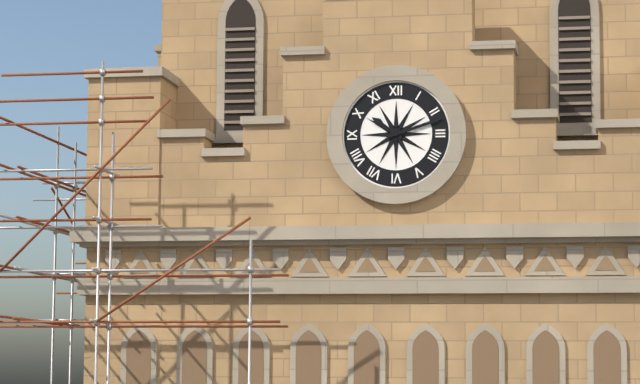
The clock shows 10.12
